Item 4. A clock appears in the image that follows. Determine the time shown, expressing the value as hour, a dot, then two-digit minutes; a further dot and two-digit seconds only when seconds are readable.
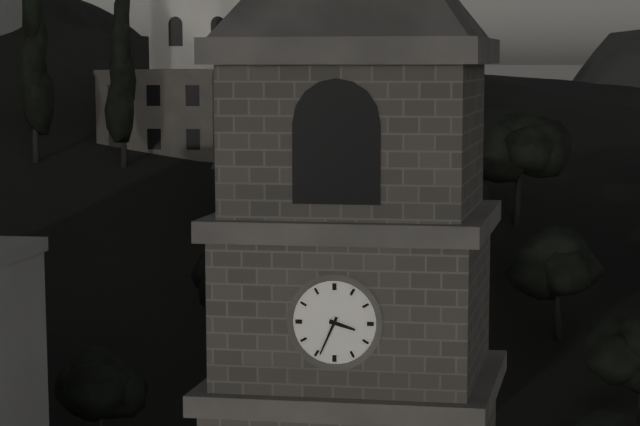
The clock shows 3.34
